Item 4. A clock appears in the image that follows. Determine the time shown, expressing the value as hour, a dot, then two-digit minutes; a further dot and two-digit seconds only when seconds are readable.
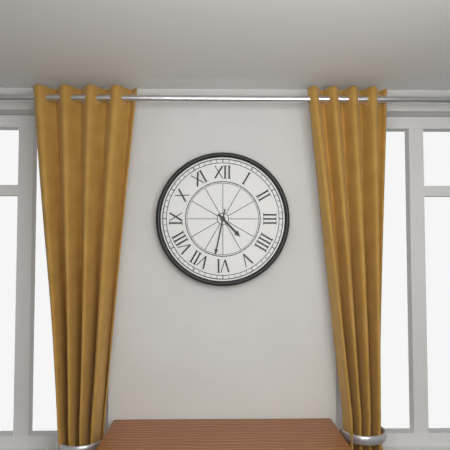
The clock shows 4.32
